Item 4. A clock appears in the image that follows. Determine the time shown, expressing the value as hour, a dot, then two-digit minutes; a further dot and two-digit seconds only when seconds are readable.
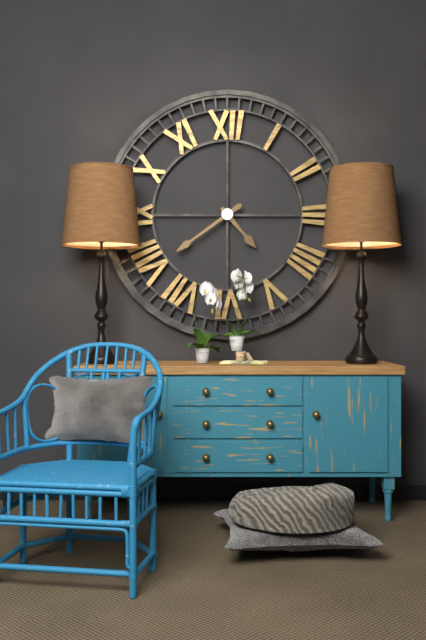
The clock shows 4.39
